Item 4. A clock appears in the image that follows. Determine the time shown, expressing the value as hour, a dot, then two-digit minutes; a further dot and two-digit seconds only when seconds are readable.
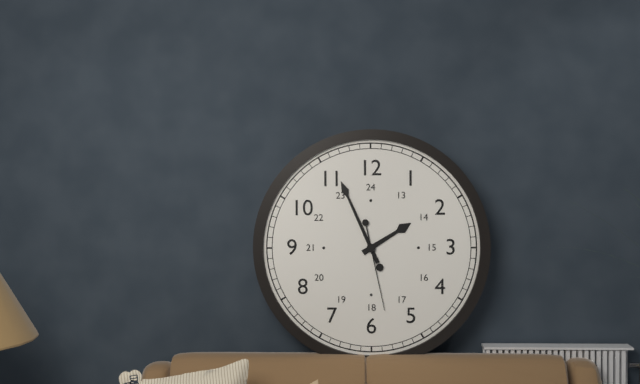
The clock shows 1.56.28
